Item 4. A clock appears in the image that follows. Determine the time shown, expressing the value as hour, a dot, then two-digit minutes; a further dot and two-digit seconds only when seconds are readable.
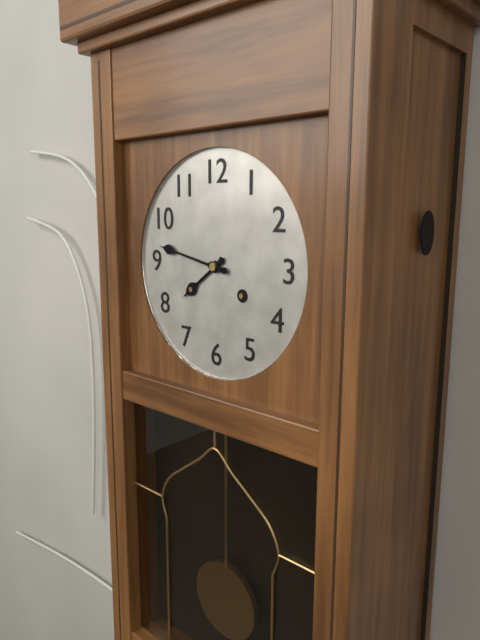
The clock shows 7.47
